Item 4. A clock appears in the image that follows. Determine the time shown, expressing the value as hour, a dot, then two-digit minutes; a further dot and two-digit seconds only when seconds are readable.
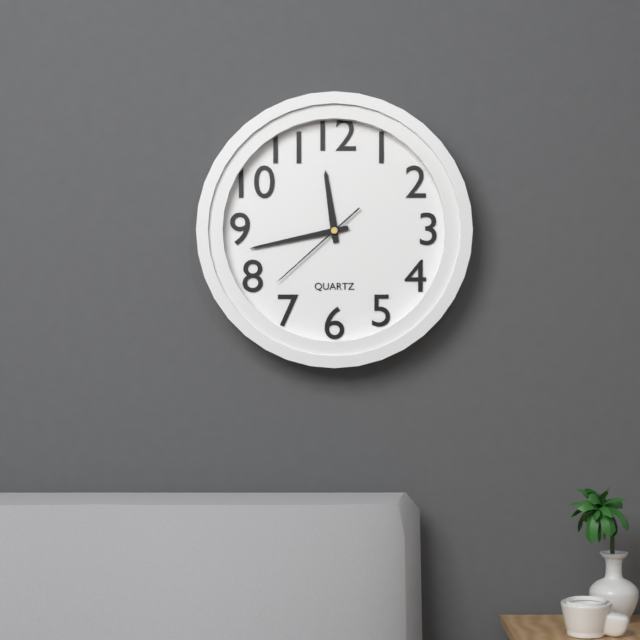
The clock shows 11.43.38
